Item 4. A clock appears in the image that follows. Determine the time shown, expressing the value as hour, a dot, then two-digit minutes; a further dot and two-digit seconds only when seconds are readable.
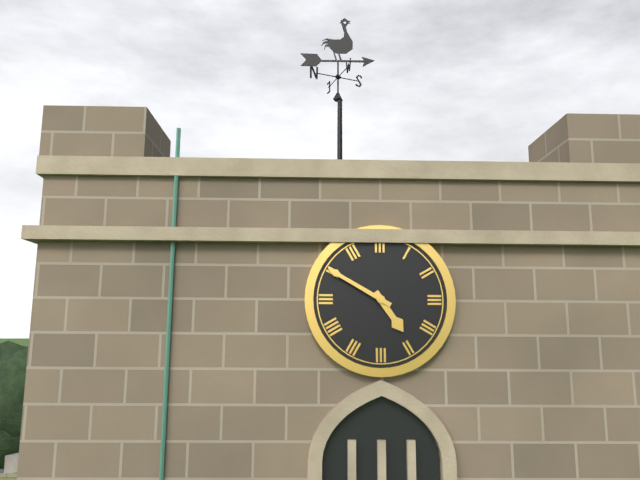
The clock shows 4.50
